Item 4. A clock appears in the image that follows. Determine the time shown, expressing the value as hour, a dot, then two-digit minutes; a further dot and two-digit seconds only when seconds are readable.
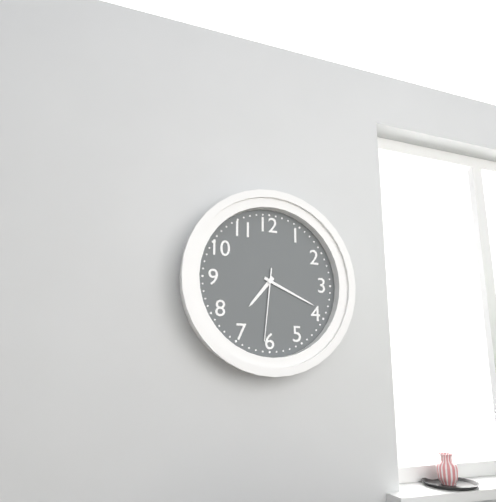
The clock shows 7.19.31
